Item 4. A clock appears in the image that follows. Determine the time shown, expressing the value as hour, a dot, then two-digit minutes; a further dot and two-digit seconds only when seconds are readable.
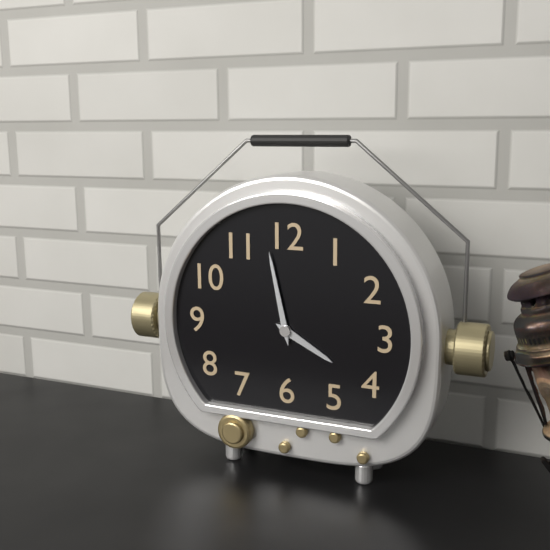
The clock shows 3.58
